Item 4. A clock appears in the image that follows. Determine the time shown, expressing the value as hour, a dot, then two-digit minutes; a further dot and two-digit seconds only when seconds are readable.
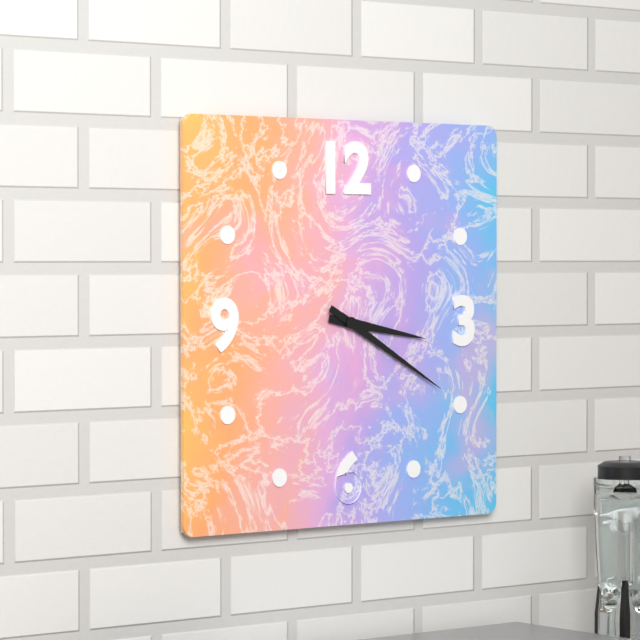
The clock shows 3.20
